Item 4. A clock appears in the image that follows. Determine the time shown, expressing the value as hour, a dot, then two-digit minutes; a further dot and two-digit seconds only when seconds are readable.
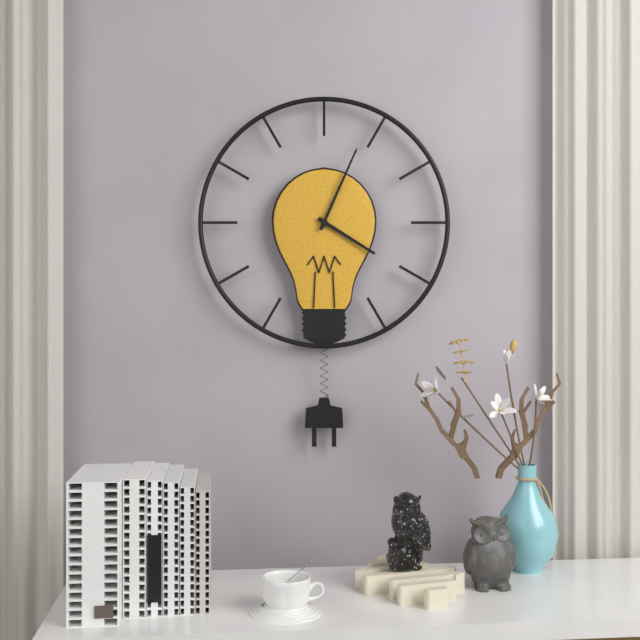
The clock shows 4.04
